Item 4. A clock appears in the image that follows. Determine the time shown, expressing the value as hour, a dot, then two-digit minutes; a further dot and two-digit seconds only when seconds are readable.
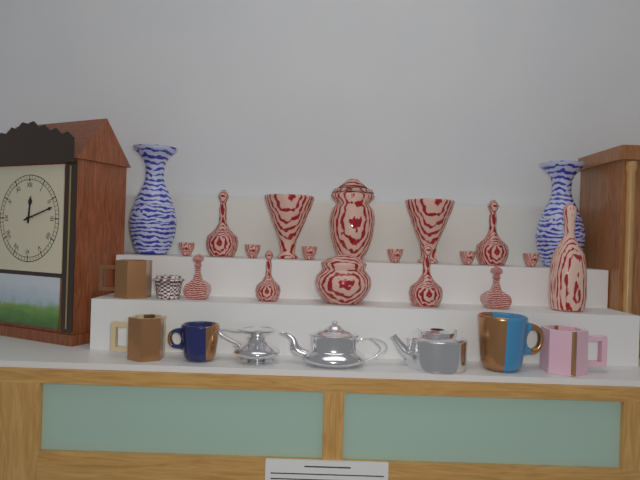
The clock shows 12.12
